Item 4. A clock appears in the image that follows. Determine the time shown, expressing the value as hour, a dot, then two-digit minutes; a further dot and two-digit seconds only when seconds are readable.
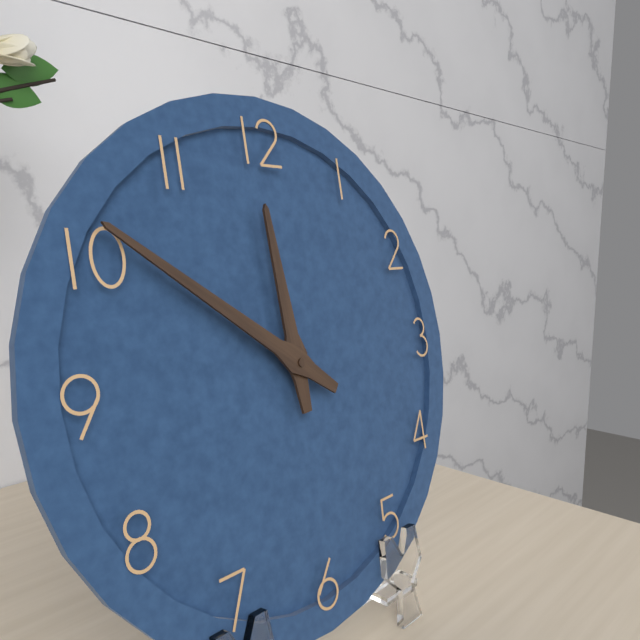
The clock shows 11.51
